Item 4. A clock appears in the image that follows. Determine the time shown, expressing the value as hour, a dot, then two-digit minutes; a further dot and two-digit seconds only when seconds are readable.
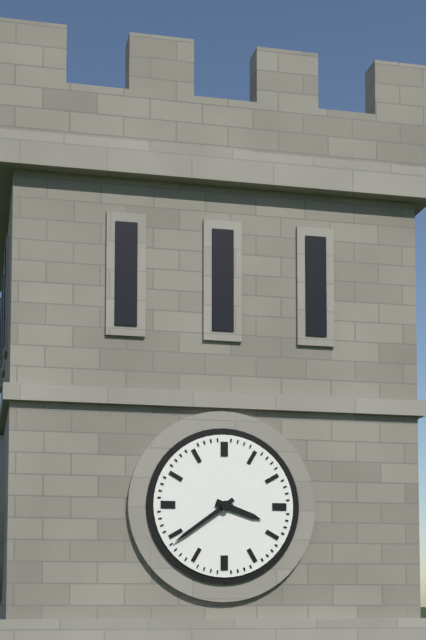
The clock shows 3.39
